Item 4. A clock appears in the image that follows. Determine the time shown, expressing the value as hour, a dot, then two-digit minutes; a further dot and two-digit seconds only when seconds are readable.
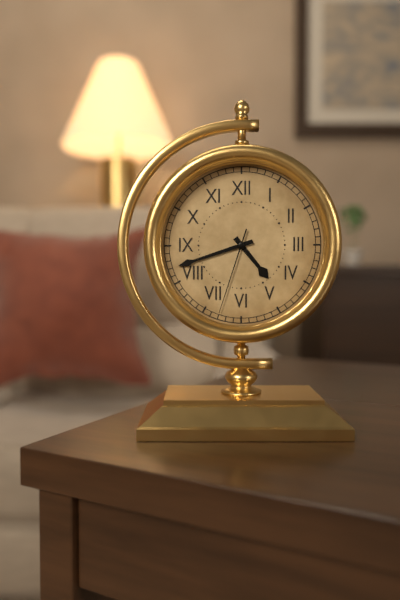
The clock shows 4.42.33
